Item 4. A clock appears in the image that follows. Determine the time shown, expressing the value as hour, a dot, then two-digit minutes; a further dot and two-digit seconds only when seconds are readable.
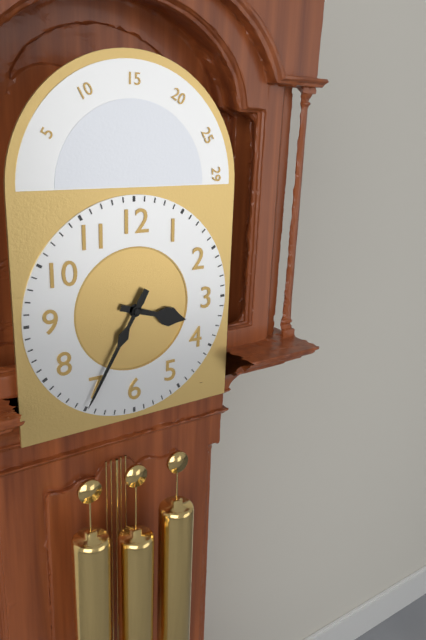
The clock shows 3.35
